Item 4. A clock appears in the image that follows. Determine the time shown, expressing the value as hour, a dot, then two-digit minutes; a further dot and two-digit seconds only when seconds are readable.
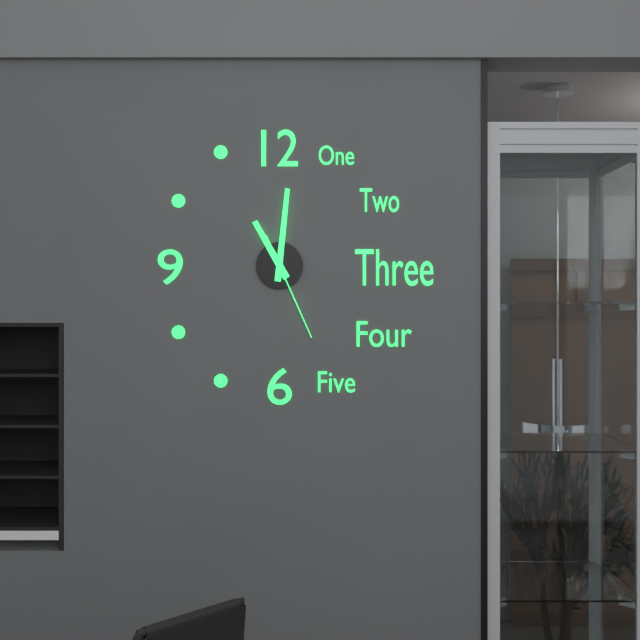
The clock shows 11.01.26
